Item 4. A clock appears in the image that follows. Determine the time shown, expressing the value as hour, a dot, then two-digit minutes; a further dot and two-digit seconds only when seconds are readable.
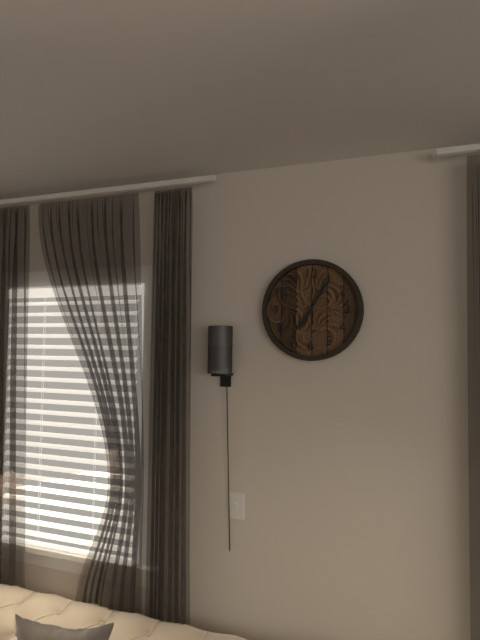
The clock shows 7.05
